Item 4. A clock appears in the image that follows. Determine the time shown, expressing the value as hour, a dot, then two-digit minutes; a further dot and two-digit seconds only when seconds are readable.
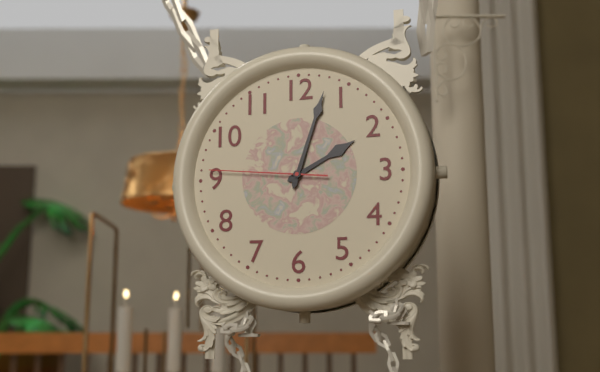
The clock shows 2.03.46
